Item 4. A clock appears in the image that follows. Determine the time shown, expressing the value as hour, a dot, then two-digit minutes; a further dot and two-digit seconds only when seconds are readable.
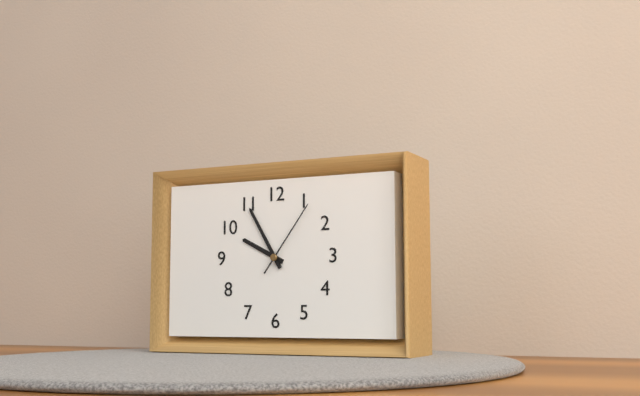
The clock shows 9.55.06
